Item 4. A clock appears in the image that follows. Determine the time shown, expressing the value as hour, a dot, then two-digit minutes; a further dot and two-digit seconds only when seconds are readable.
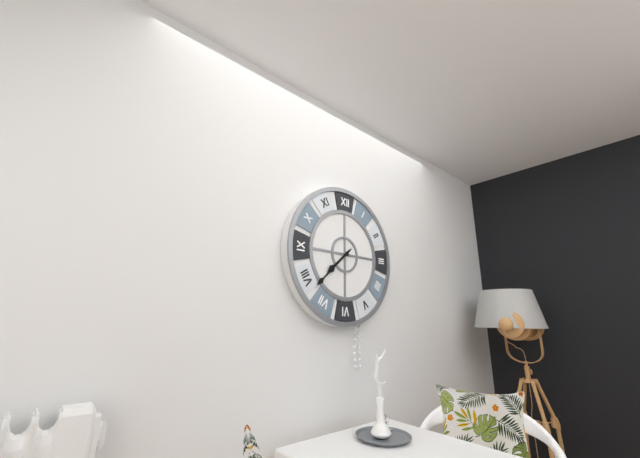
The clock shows 7.38
